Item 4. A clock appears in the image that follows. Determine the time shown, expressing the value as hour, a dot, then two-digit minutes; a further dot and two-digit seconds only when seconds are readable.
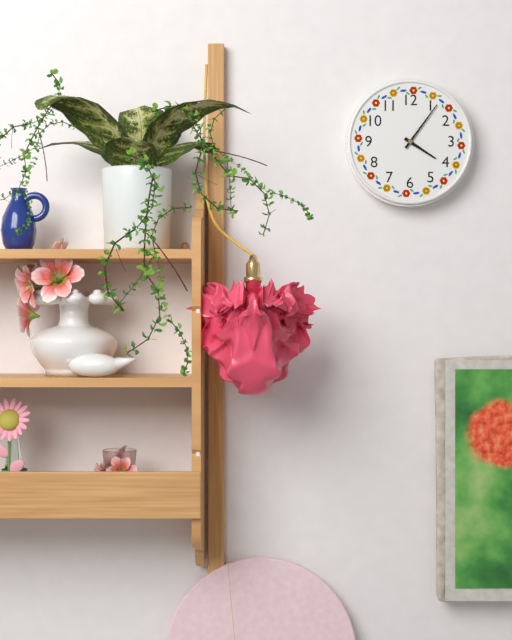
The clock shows 4.06
